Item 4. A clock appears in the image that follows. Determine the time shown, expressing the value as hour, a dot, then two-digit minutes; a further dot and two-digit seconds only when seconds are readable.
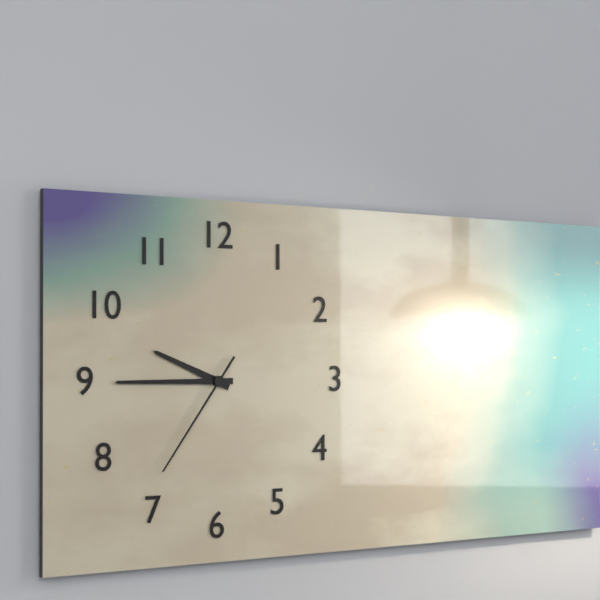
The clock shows 9.45.36
